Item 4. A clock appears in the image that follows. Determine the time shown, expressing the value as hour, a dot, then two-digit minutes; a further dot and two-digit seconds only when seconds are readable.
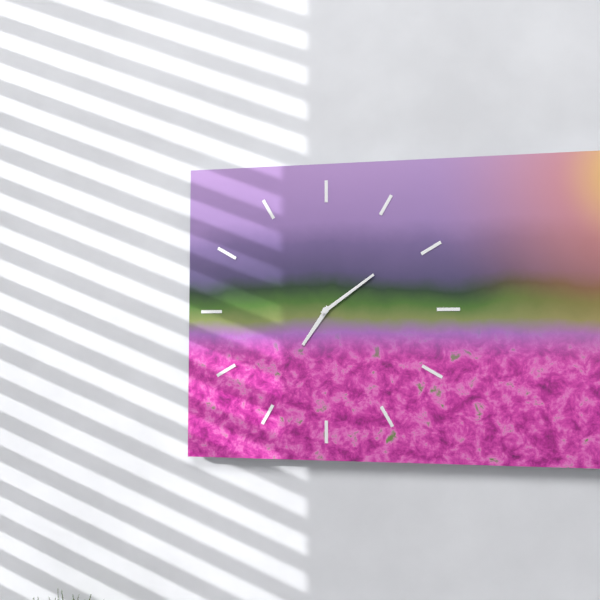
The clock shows 7.09
